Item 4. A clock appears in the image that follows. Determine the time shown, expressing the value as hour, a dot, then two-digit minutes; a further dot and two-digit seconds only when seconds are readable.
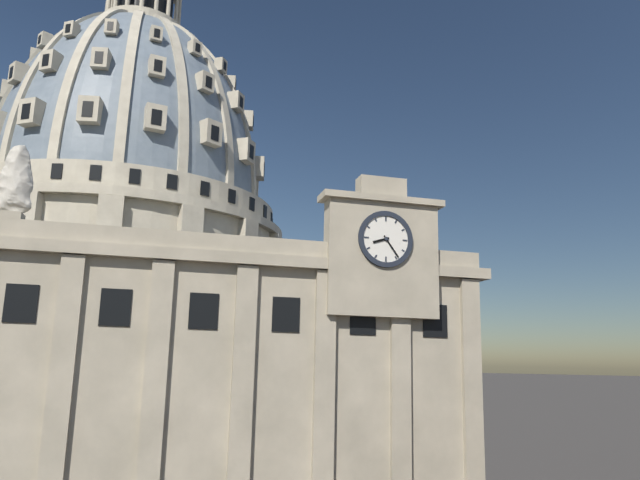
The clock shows 8.24
